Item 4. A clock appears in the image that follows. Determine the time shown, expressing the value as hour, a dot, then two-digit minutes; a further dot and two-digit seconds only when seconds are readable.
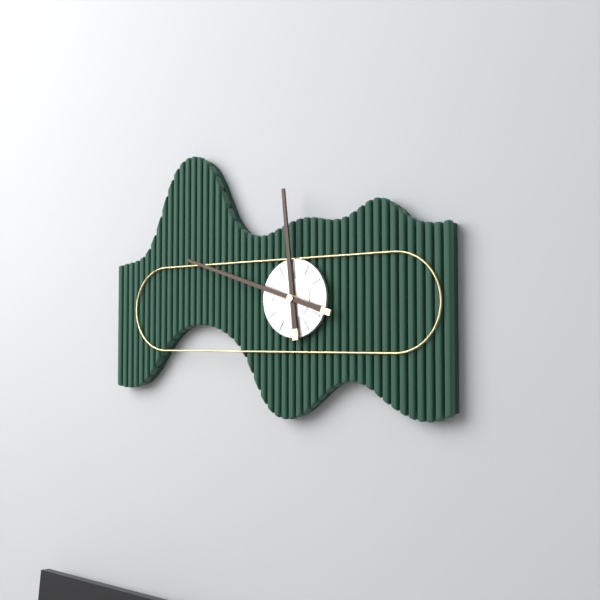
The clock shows 11.48
